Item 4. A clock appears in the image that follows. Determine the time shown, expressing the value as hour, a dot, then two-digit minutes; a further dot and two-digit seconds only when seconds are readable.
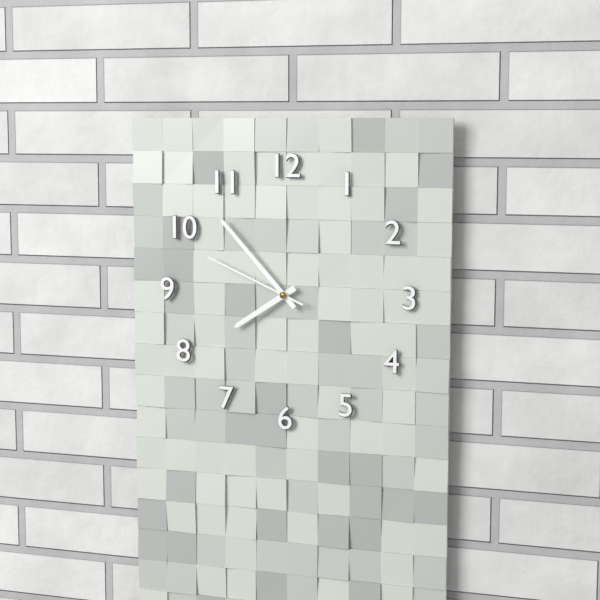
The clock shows 7.53.49
